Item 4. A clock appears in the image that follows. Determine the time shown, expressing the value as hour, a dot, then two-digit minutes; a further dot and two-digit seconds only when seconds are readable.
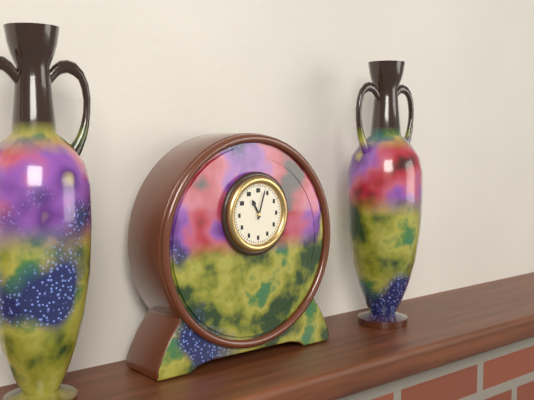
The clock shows 11.03
